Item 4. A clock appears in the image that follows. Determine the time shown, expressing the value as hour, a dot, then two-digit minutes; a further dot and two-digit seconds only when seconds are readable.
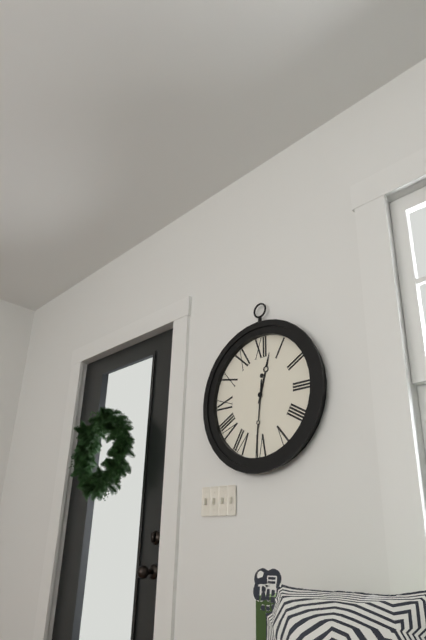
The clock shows 12.31
